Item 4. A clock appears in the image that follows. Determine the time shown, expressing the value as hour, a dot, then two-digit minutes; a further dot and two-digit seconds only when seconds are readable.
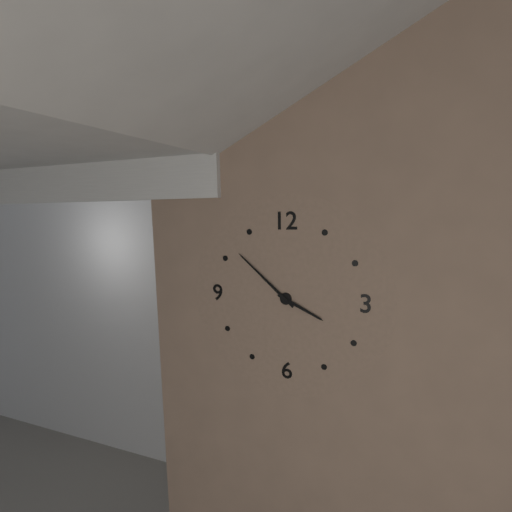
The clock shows 3.52
